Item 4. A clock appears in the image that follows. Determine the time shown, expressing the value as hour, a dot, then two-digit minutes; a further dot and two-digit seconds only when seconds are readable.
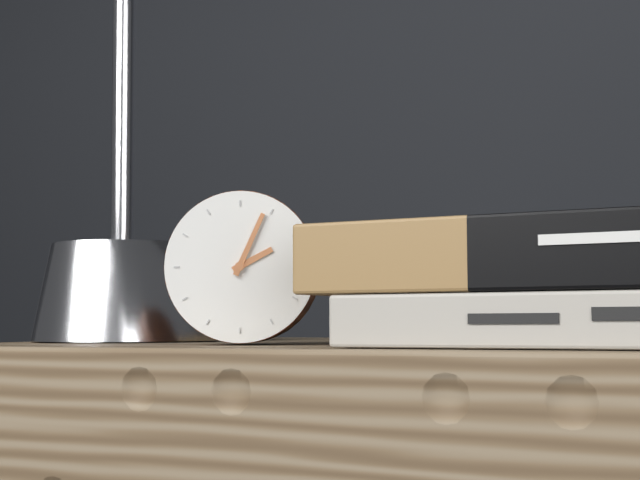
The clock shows 2.04
